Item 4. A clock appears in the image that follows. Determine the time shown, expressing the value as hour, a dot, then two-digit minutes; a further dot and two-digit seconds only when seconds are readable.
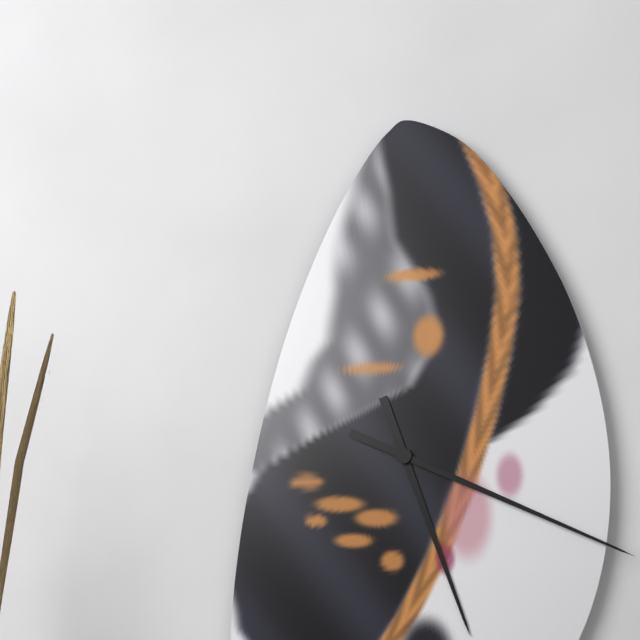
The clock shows 5.19
